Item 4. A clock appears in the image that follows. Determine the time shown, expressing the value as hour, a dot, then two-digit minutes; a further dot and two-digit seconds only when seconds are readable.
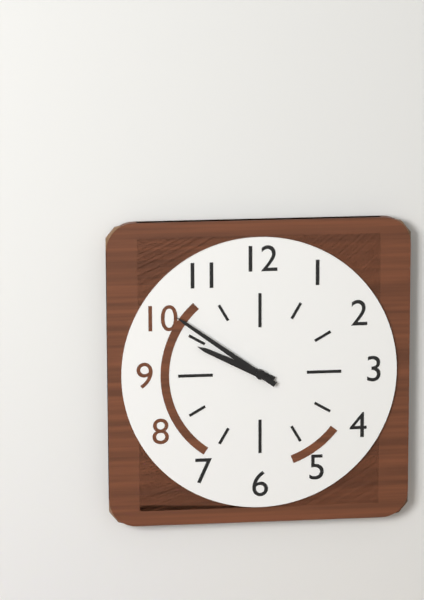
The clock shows 9.51
